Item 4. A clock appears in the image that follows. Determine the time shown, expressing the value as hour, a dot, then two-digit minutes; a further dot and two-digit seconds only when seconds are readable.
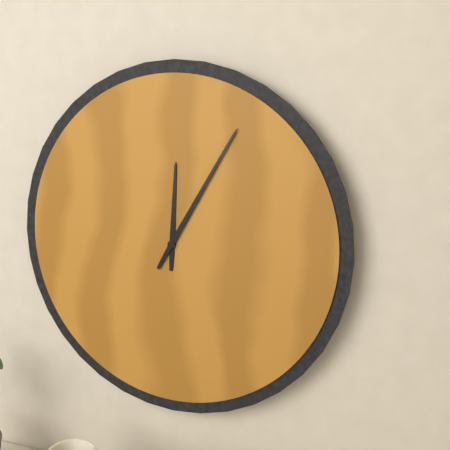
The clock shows 12.05
